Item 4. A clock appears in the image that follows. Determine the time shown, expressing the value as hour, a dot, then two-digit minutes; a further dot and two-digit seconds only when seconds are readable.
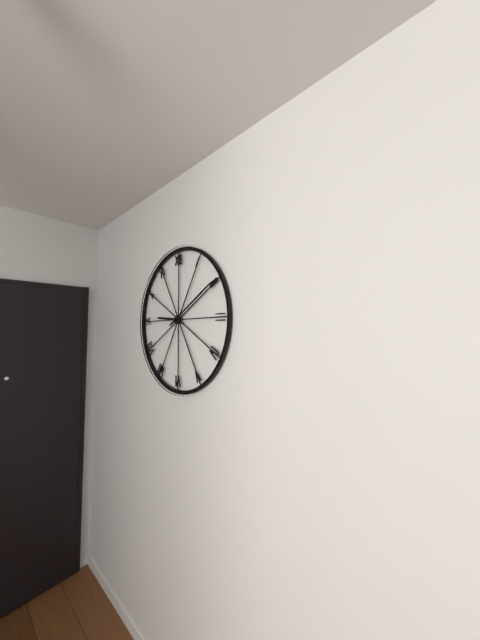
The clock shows 9.10
